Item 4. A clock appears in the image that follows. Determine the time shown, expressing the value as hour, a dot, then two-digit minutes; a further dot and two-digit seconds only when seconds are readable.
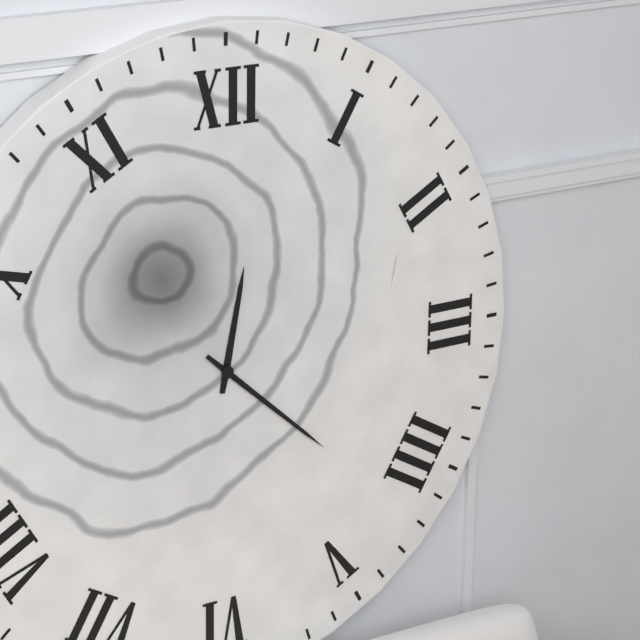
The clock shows 12.22
